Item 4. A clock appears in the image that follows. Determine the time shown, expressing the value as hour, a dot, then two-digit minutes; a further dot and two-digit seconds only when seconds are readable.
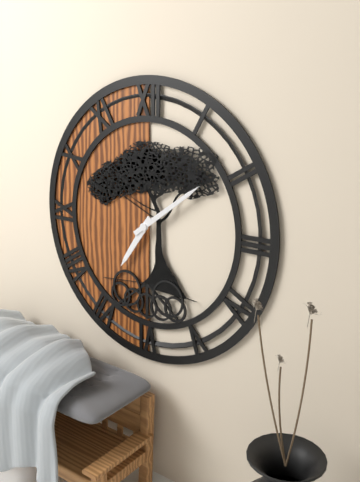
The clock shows 7.09
